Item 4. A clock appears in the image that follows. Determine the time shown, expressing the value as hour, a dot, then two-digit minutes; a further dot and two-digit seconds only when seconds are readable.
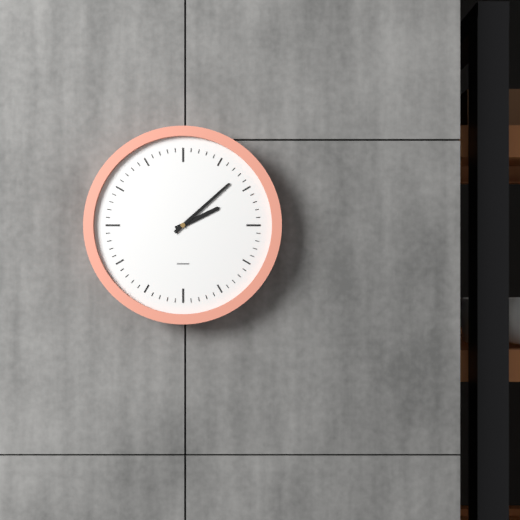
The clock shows 2.08
